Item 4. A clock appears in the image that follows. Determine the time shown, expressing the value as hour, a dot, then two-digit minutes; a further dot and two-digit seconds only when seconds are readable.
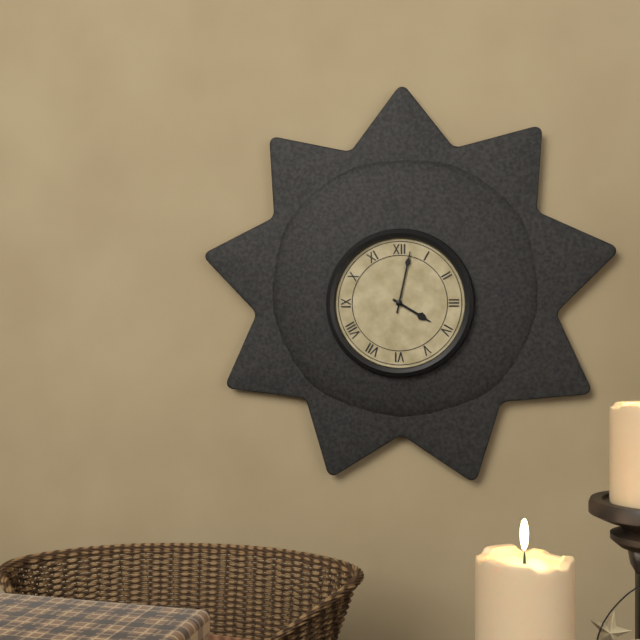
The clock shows 4.02
